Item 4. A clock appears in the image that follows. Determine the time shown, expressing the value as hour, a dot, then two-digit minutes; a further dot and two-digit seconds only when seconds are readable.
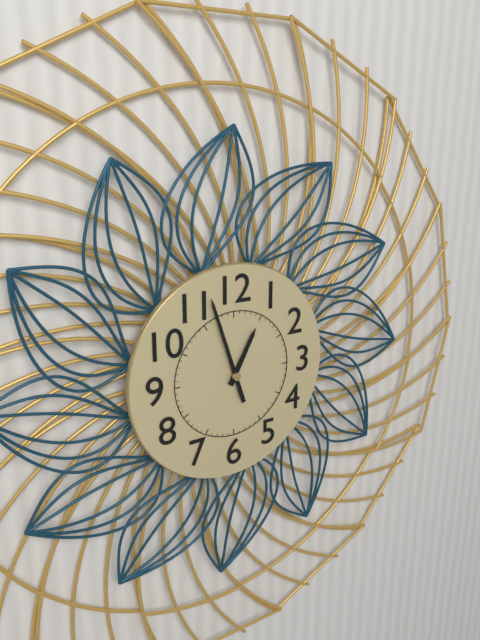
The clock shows 12.57
